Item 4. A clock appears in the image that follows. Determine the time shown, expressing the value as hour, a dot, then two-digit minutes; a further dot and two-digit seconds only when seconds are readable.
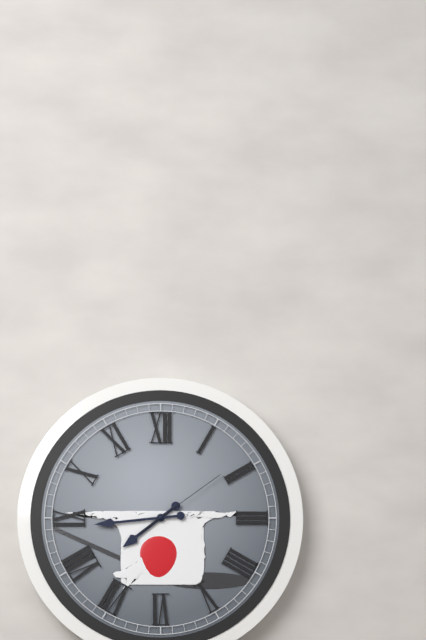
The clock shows 7.44.09
